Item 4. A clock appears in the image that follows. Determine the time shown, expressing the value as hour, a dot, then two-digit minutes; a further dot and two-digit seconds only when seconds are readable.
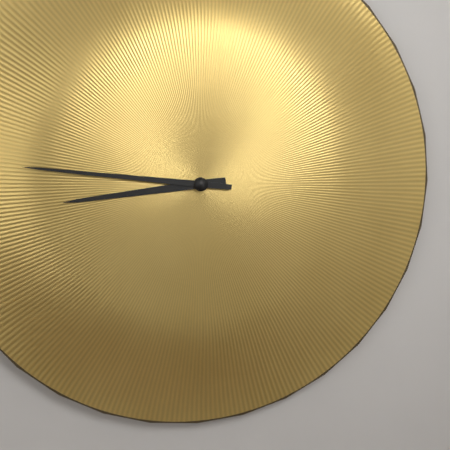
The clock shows 8.46
